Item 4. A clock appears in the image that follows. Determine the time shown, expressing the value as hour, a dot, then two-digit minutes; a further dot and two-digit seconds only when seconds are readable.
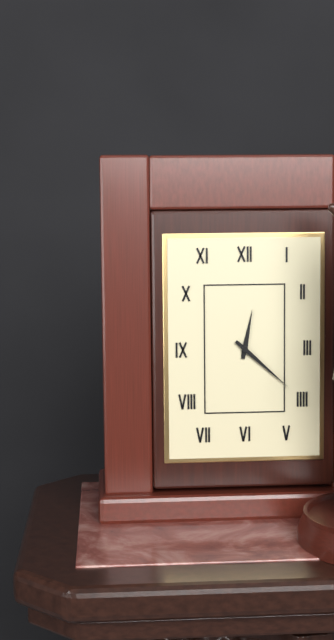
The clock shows 12.22
